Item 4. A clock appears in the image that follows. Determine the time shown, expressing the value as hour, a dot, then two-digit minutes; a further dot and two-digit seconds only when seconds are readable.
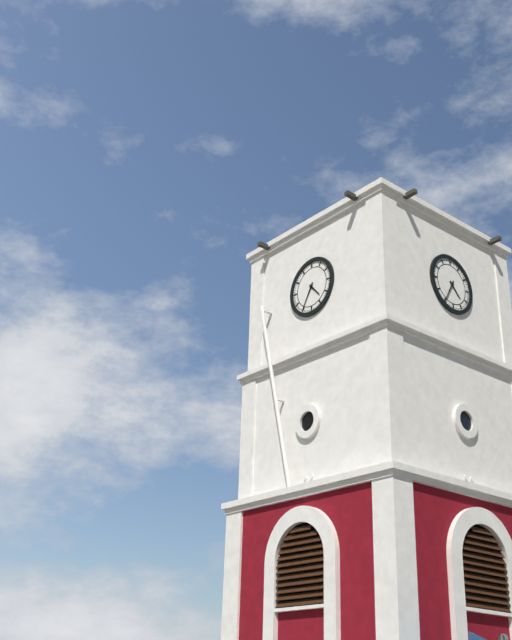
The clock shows 4.35
